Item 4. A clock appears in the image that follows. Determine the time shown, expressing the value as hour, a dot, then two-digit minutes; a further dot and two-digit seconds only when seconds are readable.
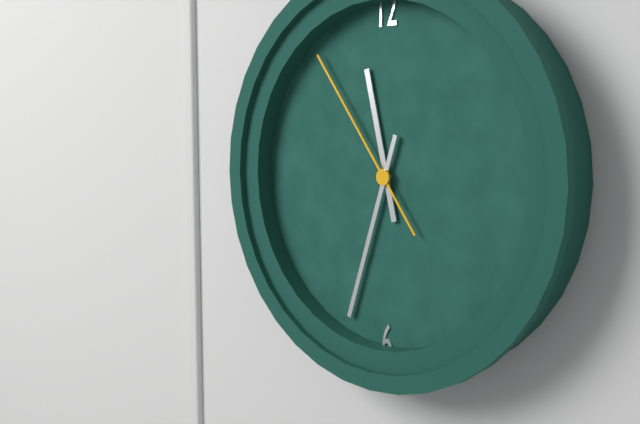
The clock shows 11.33.54
